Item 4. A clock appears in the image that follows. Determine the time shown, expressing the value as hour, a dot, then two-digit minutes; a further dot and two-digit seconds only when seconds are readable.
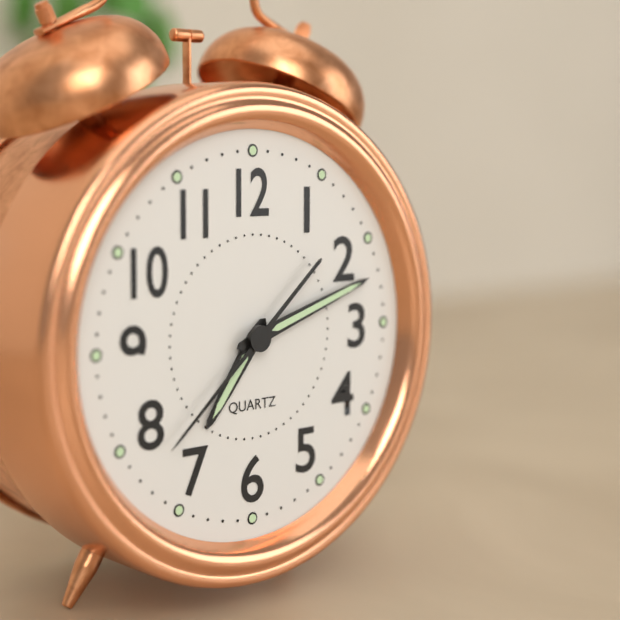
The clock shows 7.12.38
